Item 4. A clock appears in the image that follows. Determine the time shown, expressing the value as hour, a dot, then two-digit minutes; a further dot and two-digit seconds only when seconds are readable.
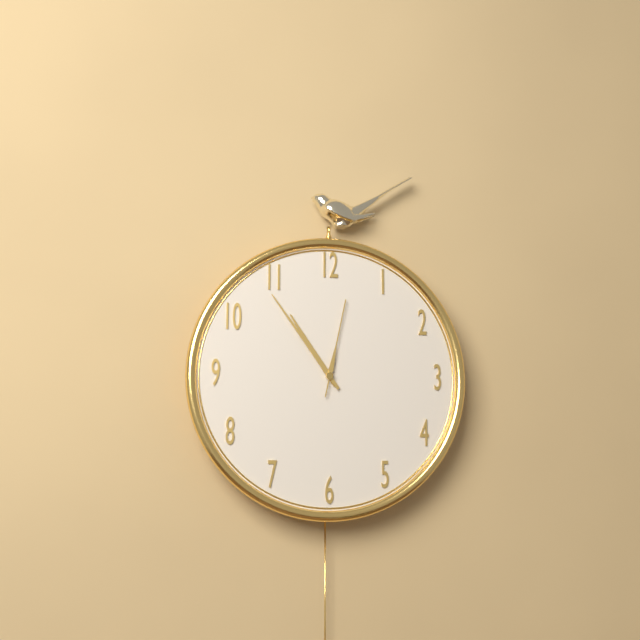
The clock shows 10.54.02
